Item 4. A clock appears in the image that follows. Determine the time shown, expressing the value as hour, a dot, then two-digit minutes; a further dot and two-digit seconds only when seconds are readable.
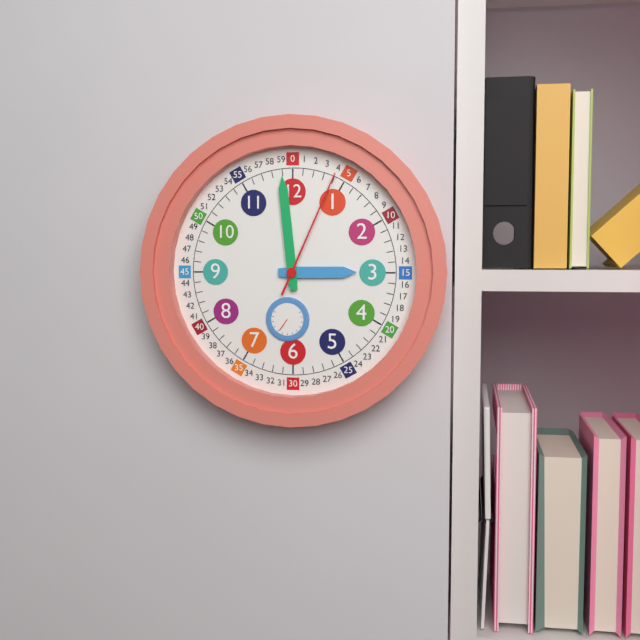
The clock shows 2.59.04
